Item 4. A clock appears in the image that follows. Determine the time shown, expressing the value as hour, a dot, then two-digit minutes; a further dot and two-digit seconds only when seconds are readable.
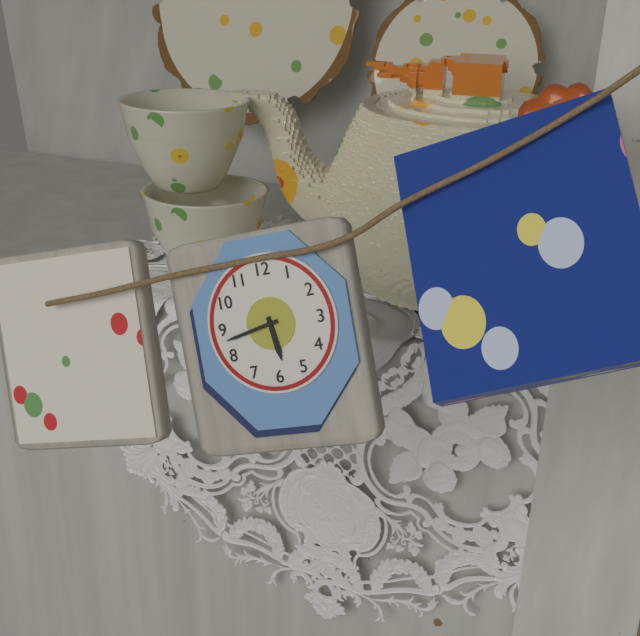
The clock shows 5.43
